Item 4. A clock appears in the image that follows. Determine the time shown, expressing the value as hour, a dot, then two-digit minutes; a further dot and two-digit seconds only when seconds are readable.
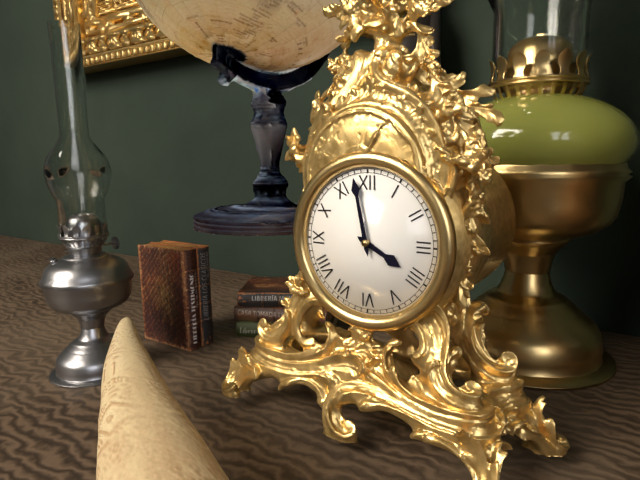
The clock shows 3.58
